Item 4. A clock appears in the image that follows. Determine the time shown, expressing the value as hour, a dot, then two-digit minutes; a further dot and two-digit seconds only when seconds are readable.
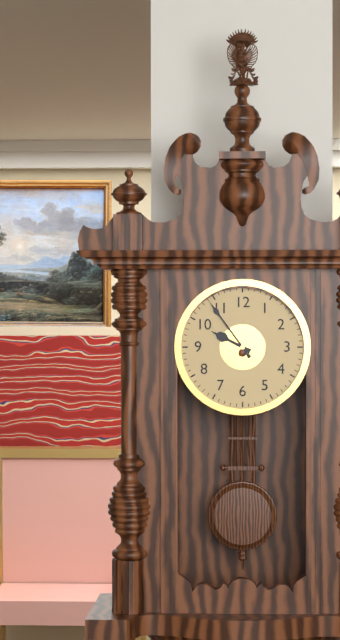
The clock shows 9.54
